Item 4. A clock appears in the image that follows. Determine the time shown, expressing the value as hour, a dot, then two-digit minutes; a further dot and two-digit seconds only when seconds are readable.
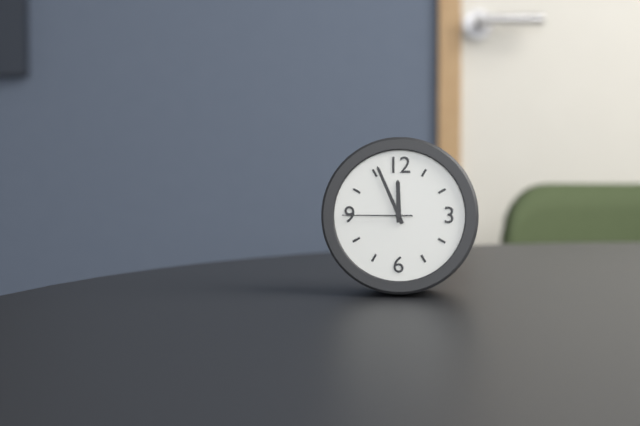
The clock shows 11.56.45
